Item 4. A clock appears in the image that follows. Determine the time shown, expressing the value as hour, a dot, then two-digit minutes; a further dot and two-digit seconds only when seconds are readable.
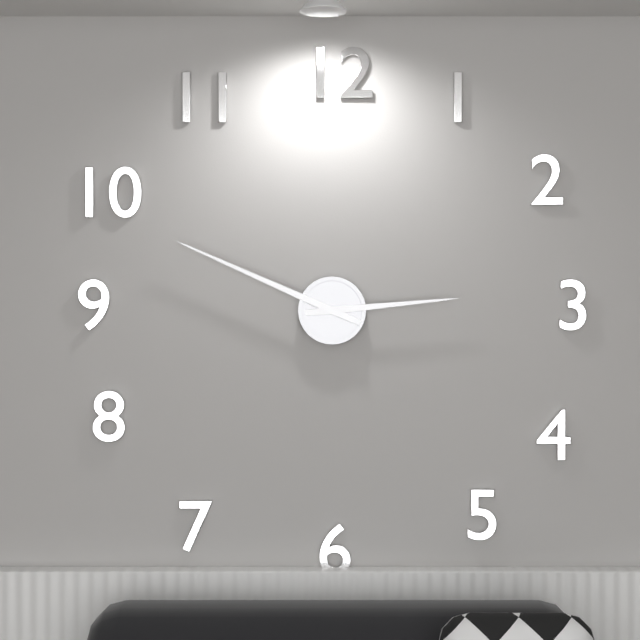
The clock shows 2.49
